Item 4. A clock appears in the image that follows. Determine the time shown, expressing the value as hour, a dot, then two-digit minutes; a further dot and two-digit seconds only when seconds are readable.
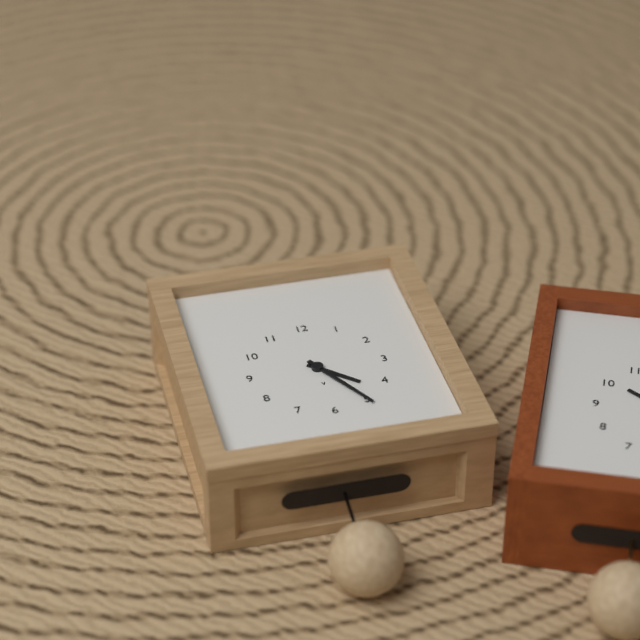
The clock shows 4.25
